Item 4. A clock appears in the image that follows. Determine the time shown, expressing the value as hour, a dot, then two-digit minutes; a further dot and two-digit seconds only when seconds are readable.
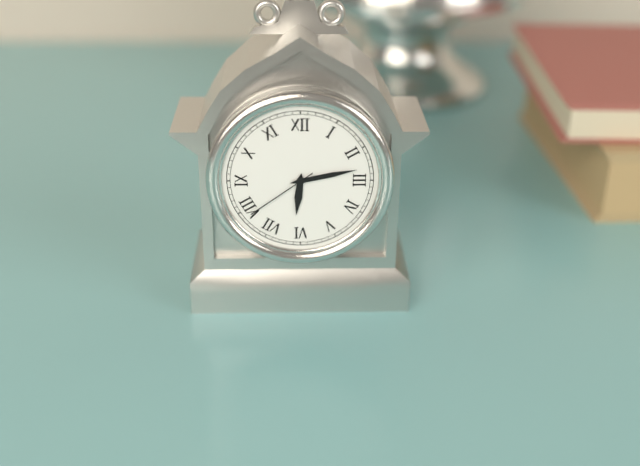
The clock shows 6.13.39
